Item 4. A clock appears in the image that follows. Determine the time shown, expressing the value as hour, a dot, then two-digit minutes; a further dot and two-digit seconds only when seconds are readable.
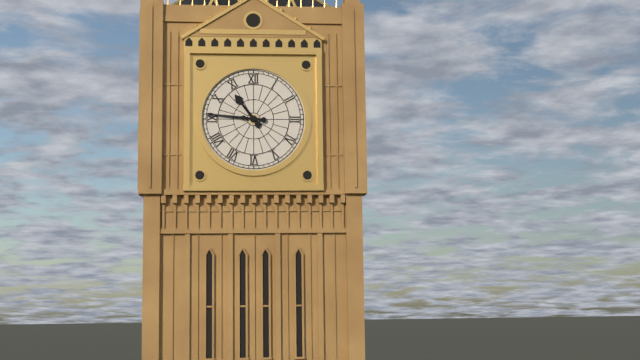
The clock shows 10.46
